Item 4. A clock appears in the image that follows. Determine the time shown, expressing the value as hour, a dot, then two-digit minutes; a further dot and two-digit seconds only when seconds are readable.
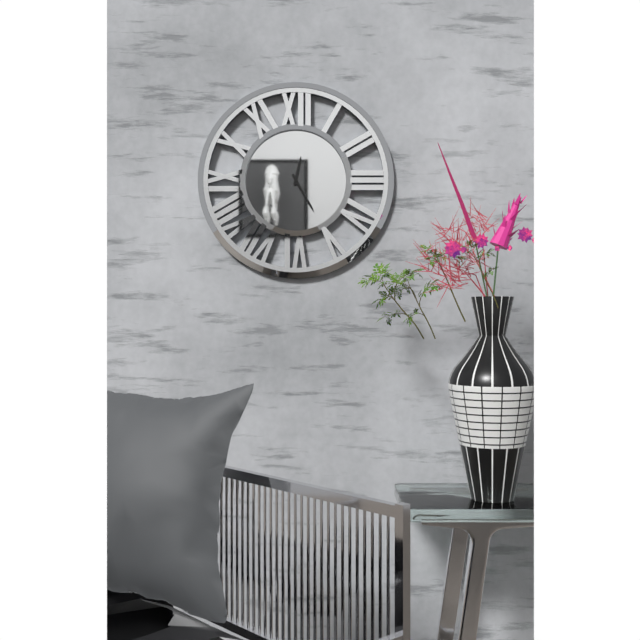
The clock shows 12.25
